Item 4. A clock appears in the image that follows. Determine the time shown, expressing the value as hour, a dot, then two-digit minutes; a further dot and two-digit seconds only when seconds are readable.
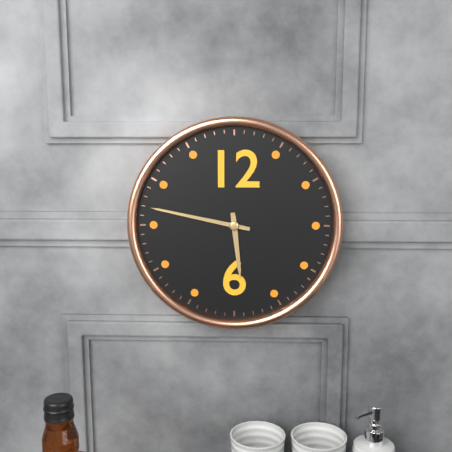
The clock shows 5.47
